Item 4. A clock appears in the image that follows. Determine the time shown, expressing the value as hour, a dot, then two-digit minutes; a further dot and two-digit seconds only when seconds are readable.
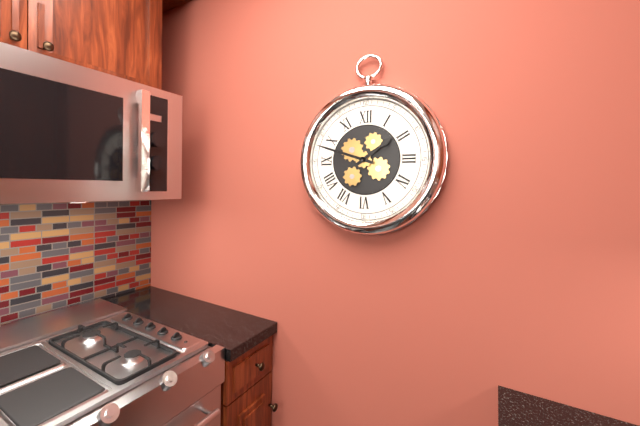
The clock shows 1.48
